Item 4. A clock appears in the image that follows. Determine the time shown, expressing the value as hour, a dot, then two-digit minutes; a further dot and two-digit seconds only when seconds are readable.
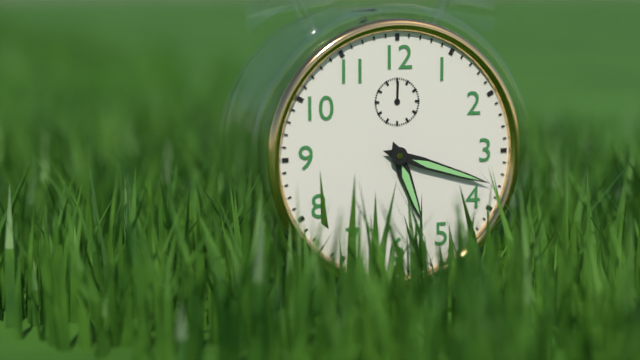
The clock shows 5.18
